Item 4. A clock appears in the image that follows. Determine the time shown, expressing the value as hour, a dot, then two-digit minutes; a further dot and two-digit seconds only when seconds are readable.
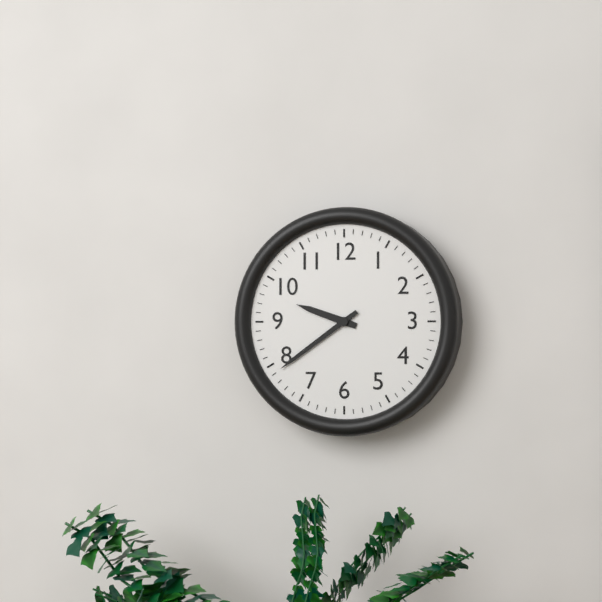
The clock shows 9.39
